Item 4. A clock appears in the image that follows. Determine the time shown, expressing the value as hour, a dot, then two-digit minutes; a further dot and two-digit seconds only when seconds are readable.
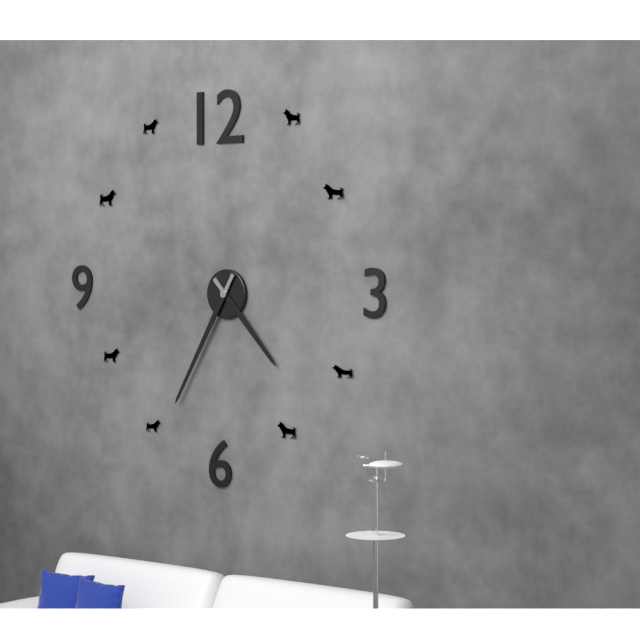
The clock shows 4.35
